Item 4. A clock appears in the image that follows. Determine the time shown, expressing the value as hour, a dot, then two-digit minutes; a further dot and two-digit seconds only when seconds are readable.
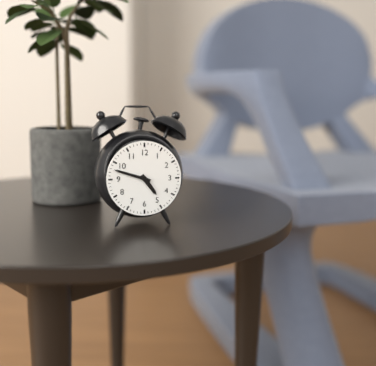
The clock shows 4.48
